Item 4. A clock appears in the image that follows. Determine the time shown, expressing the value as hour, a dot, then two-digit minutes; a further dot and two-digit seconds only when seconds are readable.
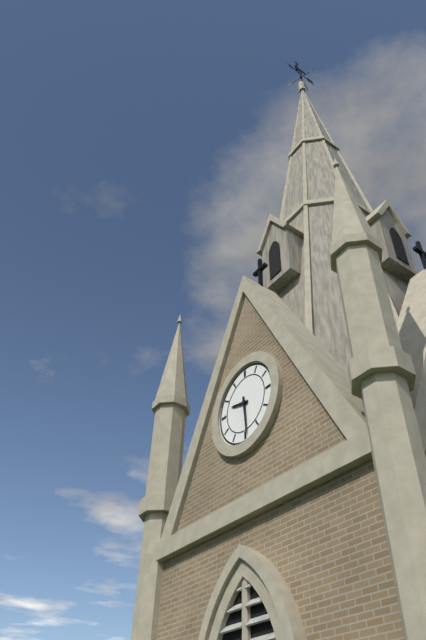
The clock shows 9.29
